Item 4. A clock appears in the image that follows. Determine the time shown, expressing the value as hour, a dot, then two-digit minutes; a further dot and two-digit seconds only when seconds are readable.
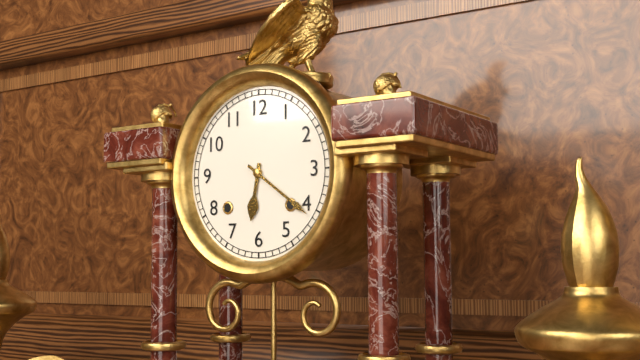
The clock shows 6.21
